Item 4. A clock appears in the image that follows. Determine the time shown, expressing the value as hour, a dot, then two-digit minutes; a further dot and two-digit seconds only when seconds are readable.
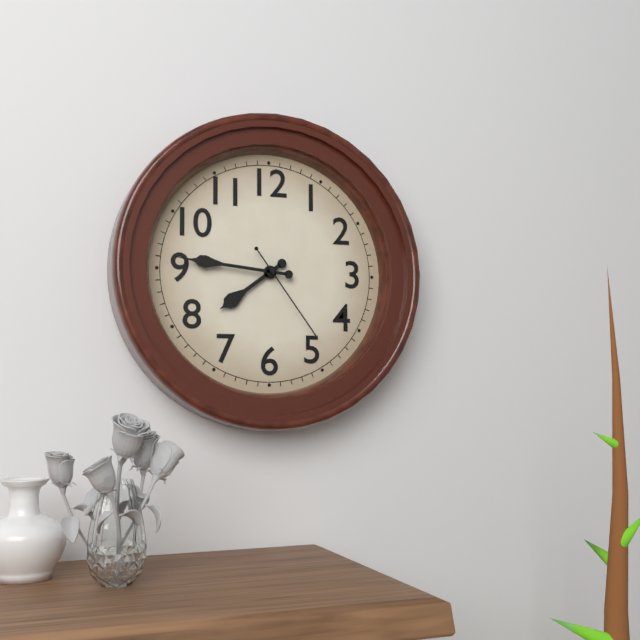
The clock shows 7.46.24
